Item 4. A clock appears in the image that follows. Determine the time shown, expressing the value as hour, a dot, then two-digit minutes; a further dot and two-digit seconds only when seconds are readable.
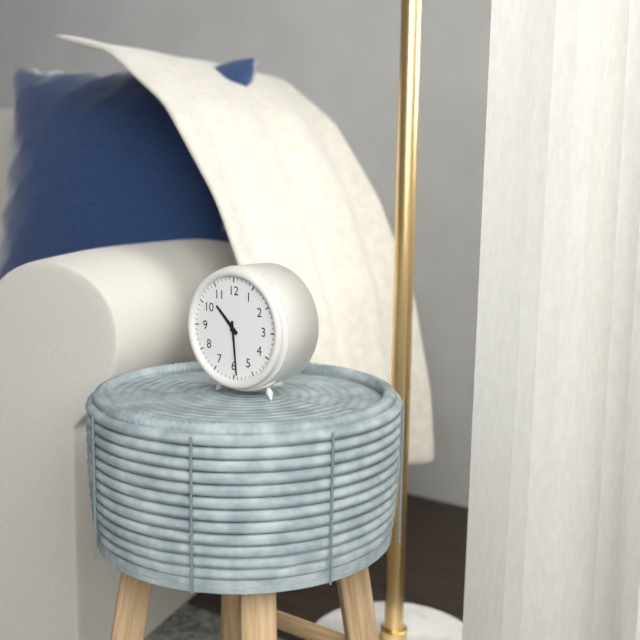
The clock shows 10.29
